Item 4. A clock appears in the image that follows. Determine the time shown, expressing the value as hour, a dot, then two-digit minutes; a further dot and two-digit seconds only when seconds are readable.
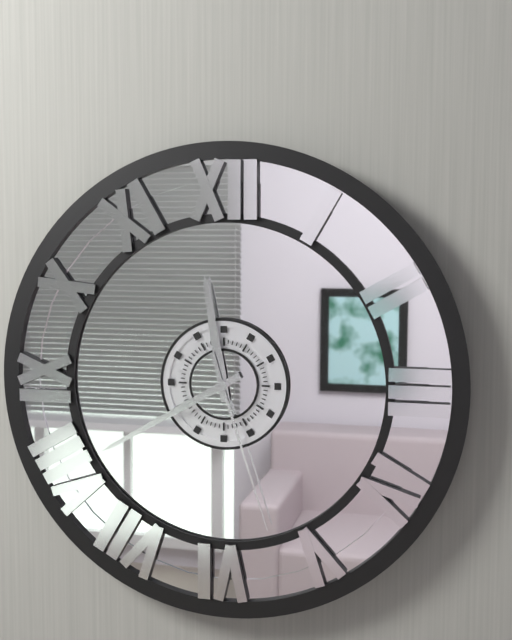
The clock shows 11.40.27
